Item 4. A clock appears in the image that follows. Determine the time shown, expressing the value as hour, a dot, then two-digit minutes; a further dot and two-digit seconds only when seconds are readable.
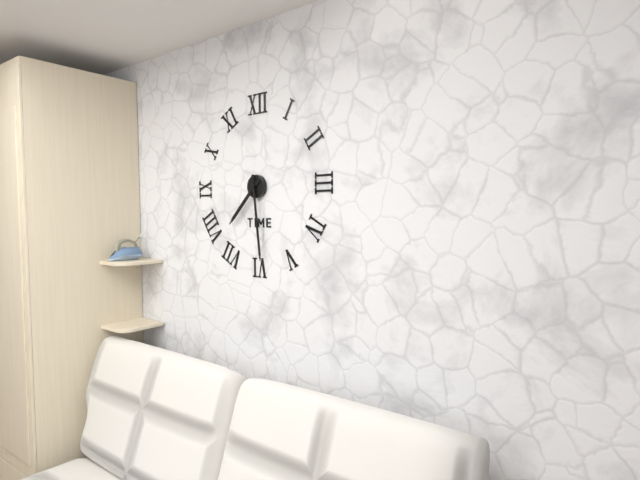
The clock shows 7.29
